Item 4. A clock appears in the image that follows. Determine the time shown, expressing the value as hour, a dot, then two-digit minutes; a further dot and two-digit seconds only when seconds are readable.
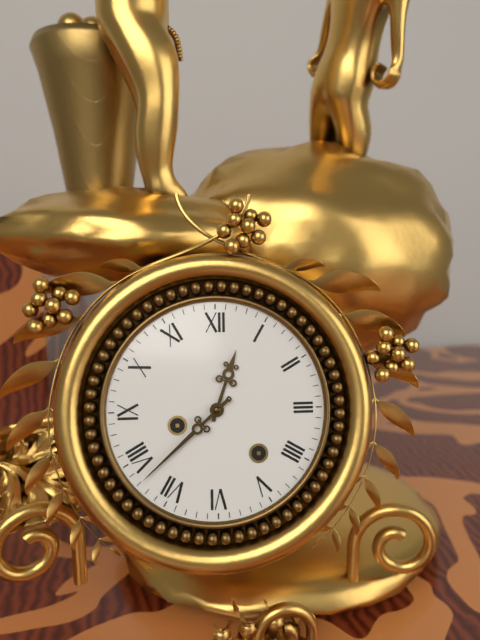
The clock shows 12.38
